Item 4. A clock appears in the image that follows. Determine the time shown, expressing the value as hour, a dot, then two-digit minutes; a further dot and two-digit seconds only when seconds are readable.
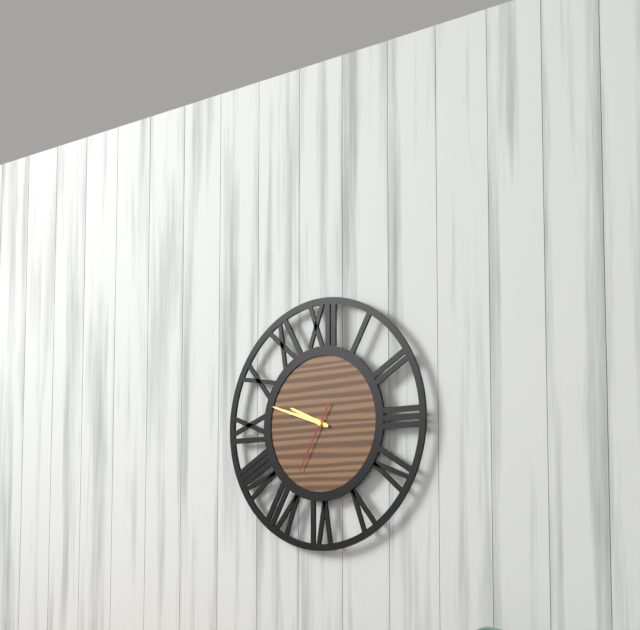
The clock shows 9.48.35
